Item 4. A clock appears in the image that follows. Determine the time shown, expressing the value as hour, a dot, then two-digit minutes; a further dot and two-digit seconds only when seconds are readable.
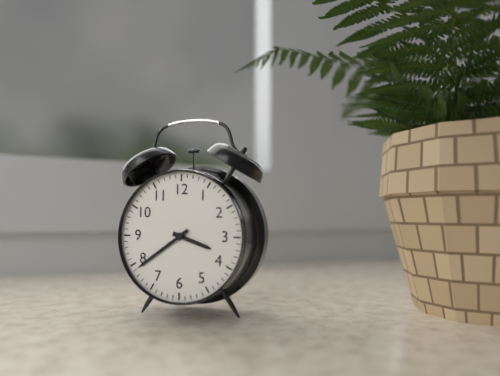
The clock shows 3.39
